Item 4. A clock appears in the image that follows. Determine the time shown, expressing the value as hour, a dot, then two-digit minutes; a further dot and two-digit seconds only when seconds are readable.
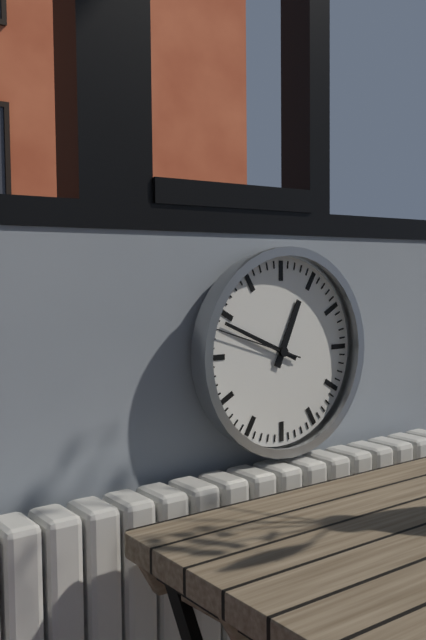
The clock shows 12.49.48
